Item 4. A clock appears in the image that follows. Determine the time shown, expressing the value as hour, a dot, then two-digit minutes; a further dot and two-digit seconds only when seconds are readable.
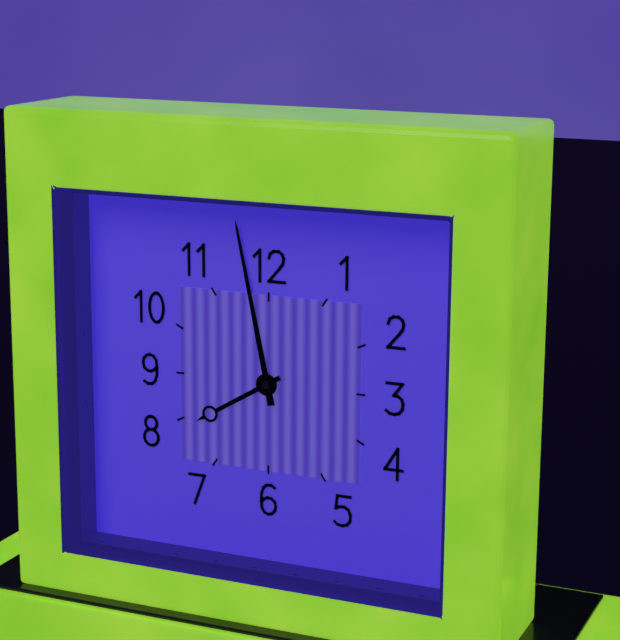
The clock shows 7.58
